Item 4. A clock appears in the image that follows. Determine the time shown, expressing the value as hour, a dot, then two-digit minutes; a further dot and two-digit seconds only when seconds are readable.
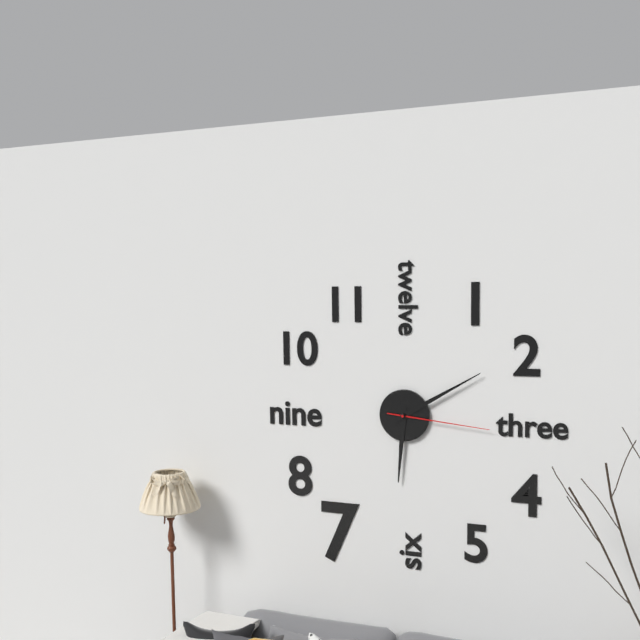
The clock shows 6.10.16
